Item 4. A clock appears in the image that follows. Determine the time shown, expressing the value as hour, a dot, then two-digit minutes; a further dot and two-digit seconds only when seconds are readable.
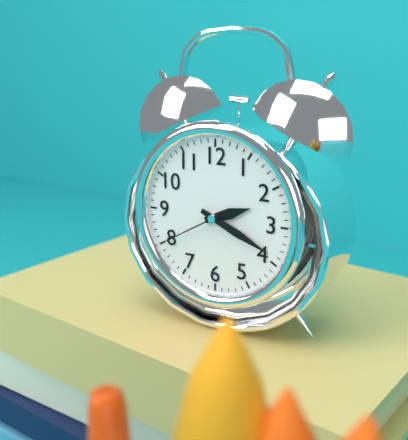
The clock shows 2.19.40
